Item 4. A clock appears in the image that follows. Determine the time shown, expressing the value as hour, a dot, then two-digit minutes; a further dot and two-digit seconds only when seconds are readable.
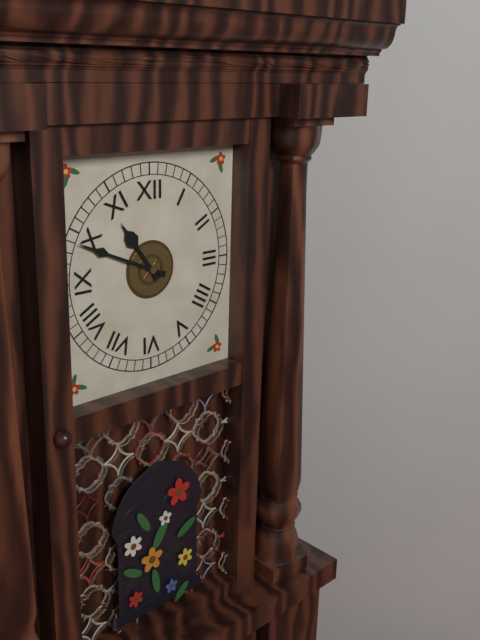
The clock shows 10.49
